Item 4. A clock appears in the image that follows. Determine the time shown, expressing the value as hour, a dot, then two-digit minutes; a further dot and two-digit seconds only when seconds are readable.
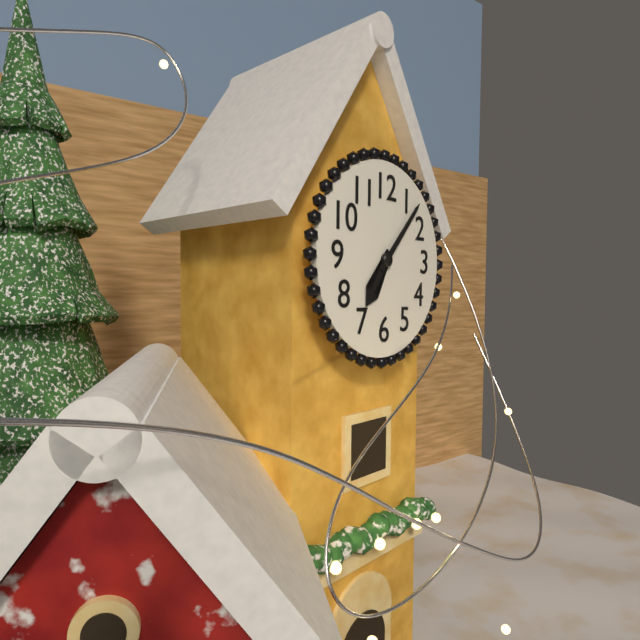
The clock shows 7.07
